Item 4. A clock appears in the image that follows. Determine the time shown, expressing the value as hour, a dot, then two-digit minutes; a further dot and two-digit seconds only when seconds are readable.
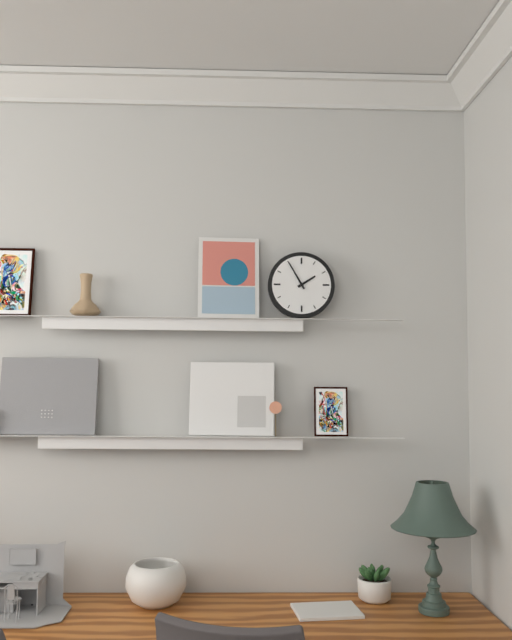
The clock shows 1.55
